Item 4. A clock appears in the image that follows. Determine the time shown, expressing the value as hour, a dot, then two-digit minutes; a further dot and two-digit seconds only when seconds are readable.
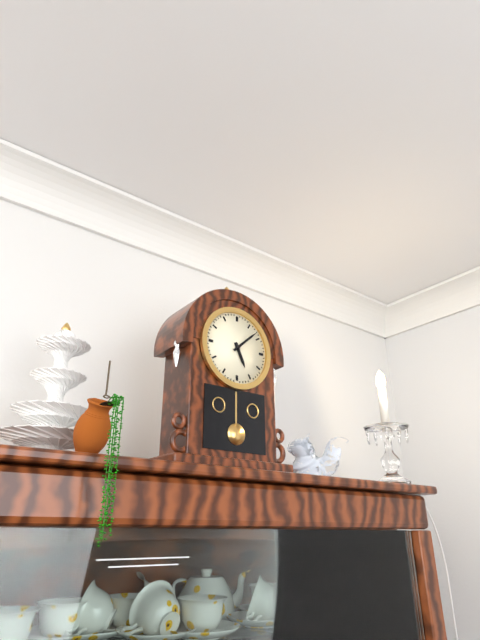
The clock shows 5.08
